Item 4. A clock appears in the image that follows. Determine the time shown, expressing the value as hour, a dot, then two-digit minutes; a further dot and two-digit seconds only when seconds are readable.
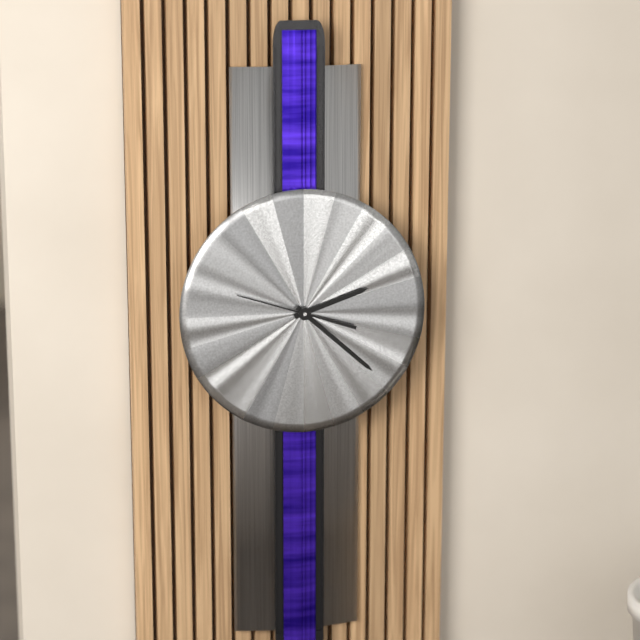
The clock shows 2.22.48
